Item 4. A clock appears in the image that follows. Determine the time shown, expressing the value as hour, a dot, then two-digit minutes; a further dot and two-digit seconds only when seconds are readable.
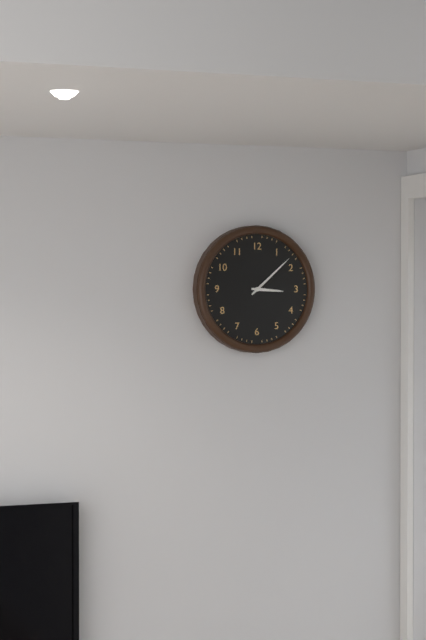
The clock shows 3.08
